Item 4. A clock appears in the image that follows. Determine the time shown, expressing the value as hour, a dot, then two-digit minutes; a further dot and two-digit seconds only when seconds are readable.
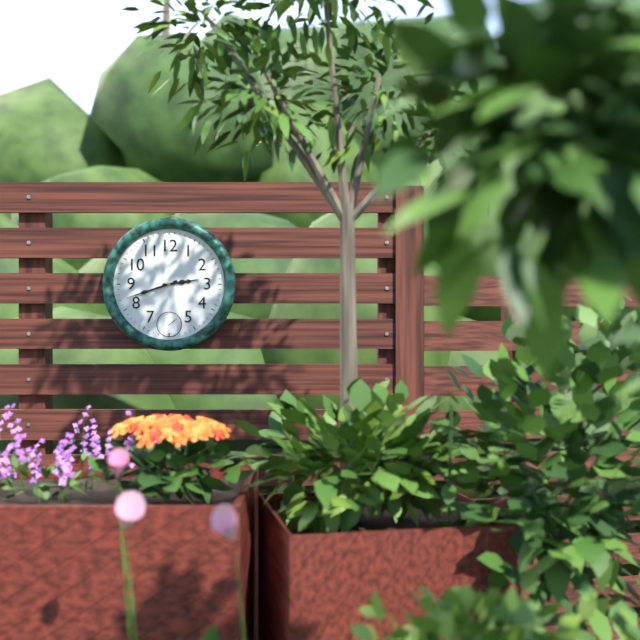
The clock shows 2.42
